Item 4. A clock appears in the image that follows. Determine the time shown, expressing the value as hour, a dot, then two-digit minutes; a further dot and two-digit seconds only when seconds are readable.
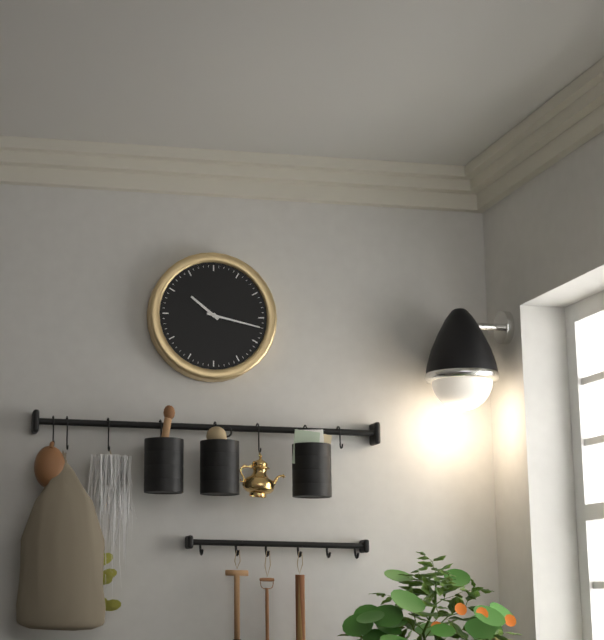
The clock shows 10.17
